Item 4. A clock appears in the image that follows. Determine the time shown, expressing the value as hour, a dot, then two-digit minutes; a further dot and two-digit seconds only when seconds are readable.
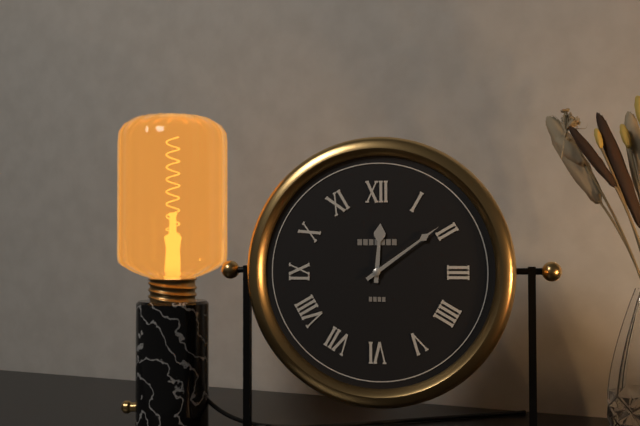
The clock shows 12.09
